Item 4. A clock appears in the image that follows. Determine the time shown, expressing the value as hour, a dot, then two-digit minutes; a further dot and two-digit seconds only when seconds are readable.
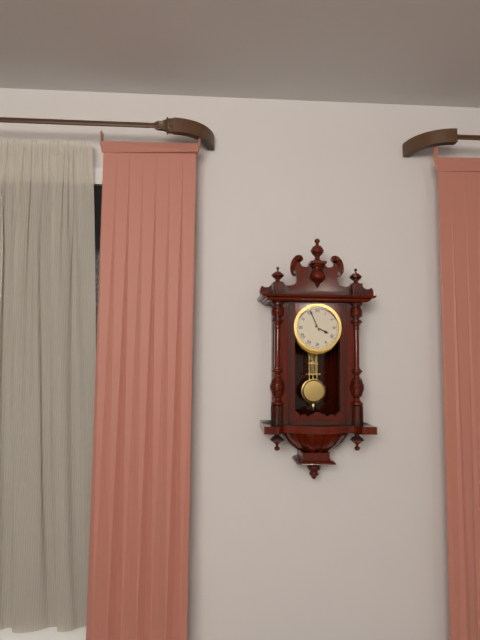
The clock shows 3.56
